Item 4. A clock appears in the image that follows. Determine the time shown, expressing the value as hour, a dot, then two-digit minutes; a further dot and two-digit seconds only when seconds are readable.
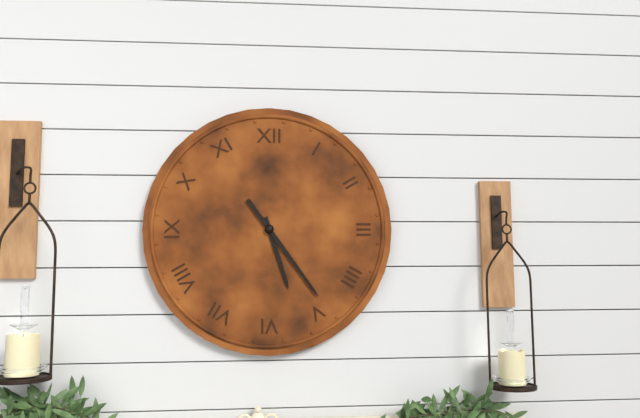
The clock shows 5.24
